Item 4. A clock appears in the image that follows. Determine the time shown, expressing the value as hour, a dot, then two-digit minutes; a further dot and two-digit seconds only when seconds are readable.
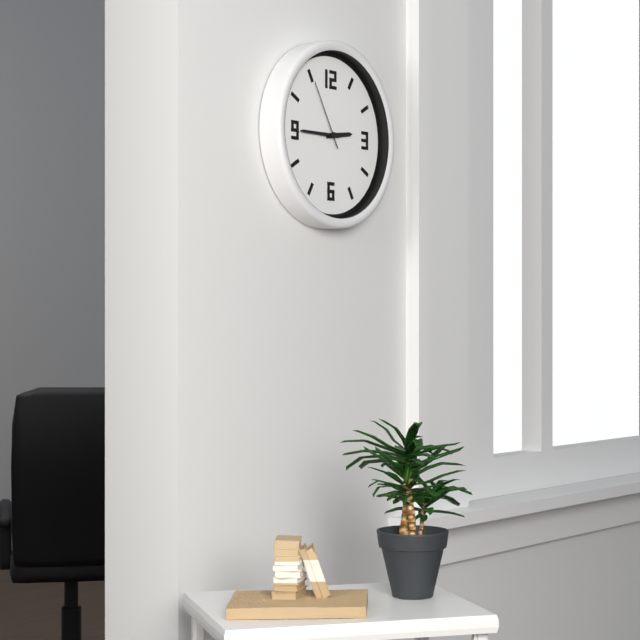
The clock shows 2.45.55
